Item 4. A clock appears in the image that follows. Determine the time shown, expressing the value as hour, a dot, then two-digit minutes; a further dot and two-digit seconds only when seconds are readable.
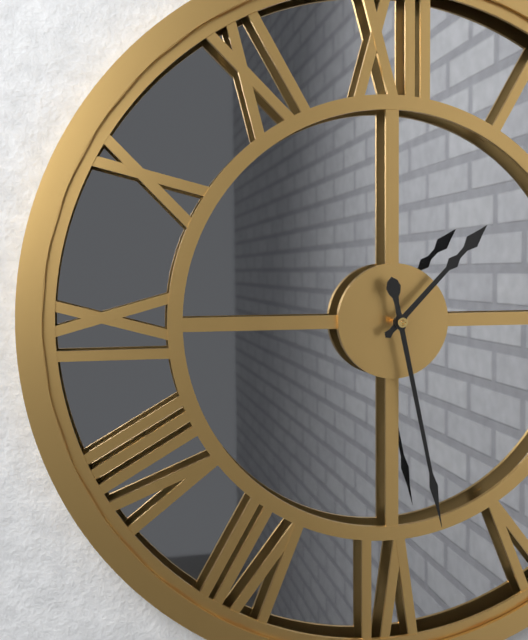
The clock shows 1.28
